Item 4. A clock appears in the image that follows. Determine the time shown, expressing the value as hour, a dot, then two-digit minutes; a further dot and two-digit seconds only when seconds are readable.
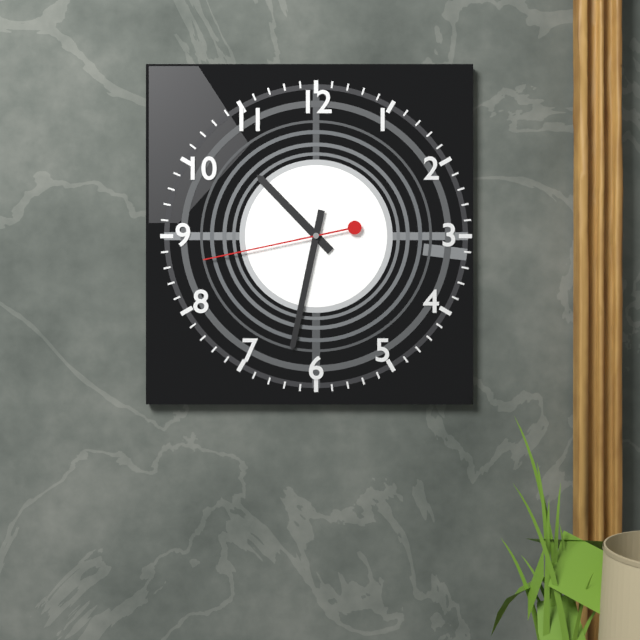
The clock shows 10.32.43
